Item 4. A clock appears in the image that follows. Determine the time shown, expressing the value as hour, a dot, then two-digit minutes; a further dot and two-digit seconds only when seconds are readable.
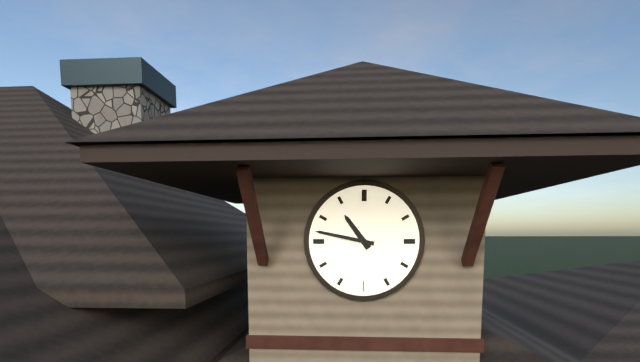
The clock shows 10.47
